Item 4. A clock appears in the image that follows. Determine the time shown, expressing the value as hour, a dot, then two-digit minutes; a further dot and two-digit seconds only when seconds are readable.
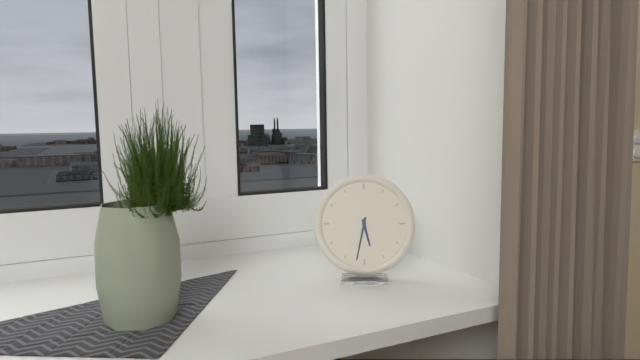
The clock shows 5.32
